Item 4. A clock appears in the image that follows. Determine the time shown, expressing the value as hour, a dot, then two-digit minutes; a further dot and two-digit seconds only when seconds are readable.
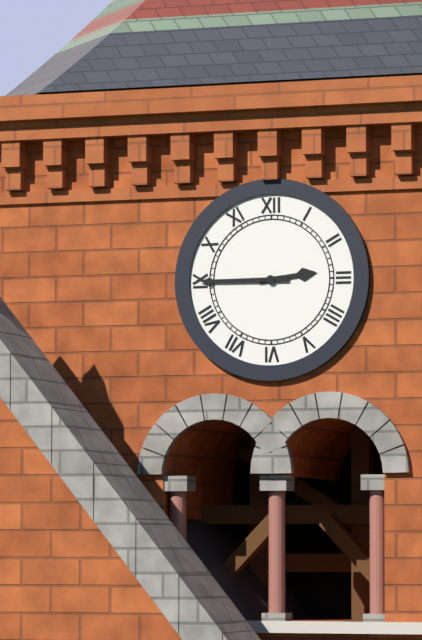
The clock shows 2.45
